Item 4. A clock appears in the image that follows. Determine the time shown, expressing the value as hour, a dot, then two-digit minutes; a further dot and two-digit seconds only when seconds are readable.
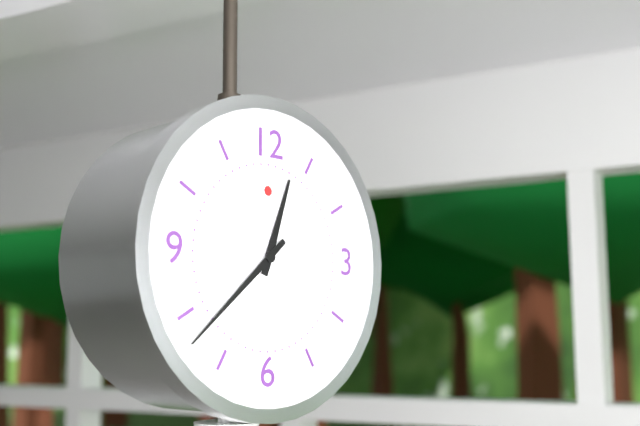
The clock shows 12.38
